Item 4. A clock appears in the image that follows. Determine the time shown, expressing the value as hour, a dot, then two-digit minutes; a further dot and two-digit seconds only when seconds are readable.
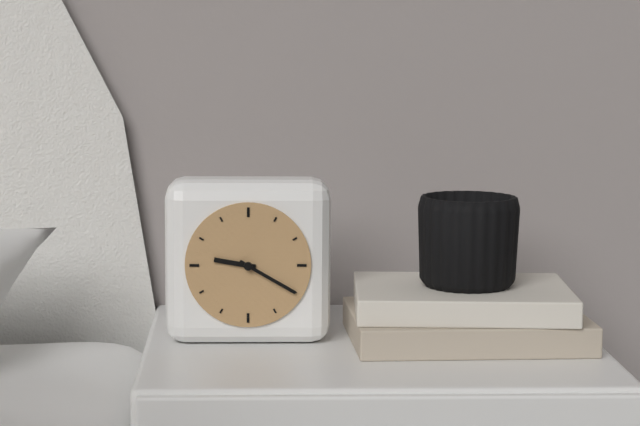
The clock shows 9.20
